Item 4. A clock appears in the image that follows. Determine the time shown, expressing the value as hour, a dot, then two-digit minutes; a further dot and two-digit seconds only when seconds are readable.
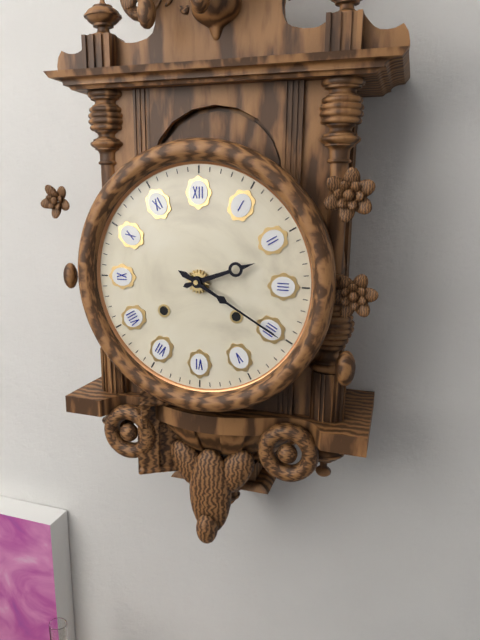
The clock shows 2.20
